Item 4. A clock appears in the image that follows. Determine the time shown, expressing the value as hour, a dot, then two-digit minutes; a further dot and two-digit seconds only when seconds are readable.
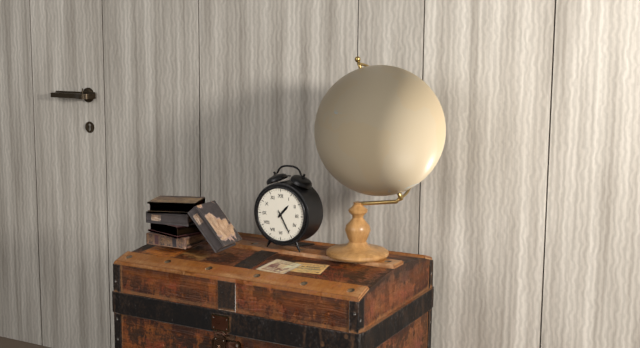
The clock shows 1.25
